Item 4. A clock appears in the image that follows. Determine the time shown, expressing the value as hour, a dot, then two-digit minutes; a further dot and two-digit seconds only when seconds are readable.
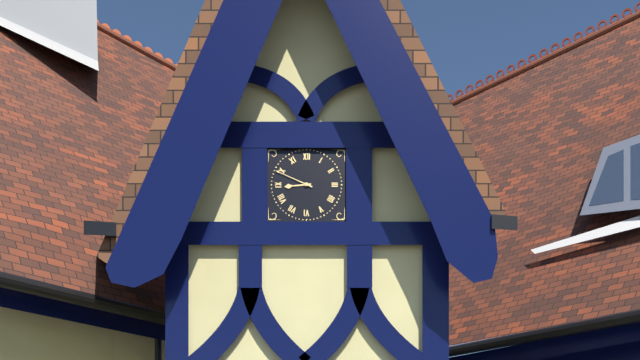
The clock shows 8.49
